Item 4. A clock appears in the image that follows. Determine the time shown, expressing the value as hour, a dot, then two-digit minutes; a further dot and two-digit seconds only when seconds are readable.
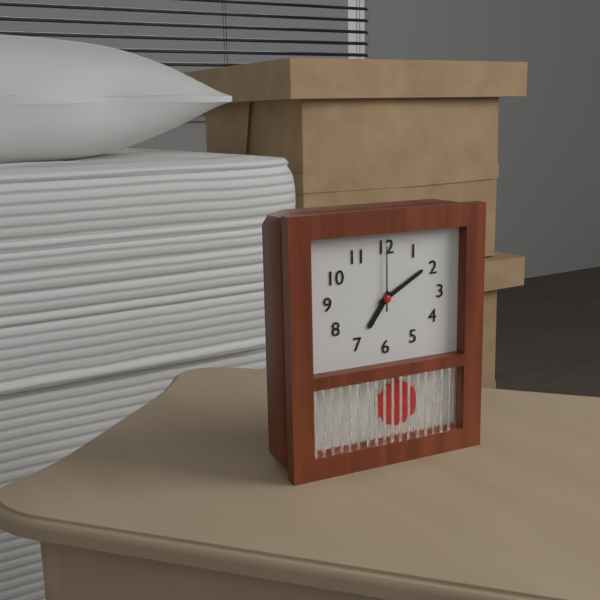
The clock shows 7.10.00
